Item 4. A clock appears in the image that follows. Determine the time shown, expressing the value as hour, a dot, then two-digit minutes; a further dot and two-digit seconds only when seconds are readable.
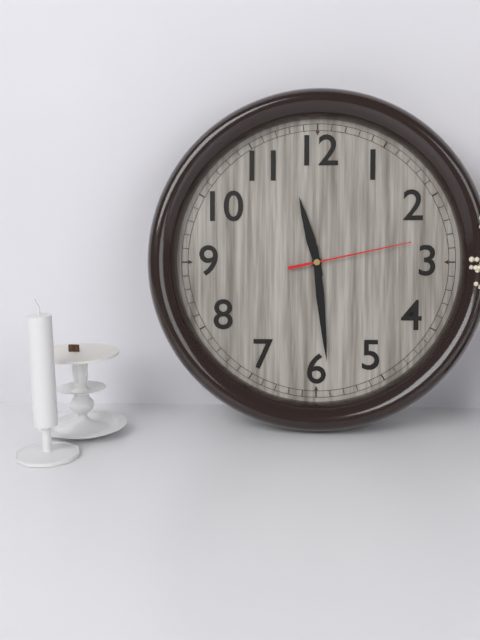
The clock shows 11.29.13
